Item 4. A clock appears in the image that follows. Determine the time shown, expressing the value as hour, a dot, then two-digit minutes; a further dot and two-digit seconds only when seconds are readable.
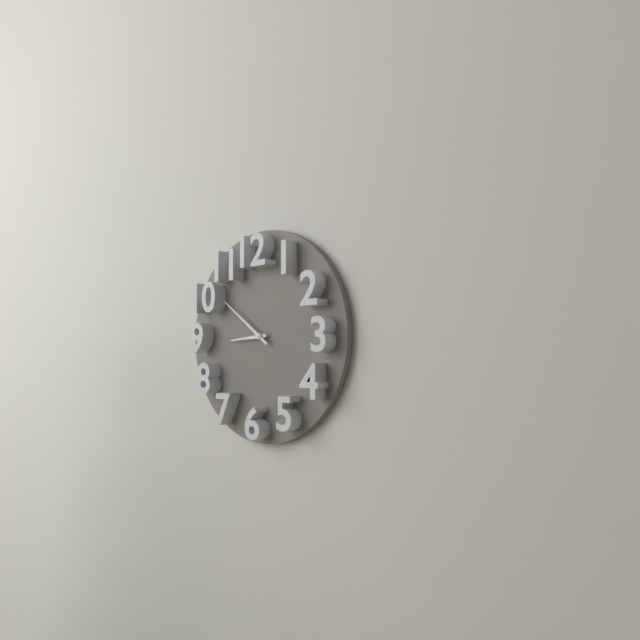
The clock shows 8.51
